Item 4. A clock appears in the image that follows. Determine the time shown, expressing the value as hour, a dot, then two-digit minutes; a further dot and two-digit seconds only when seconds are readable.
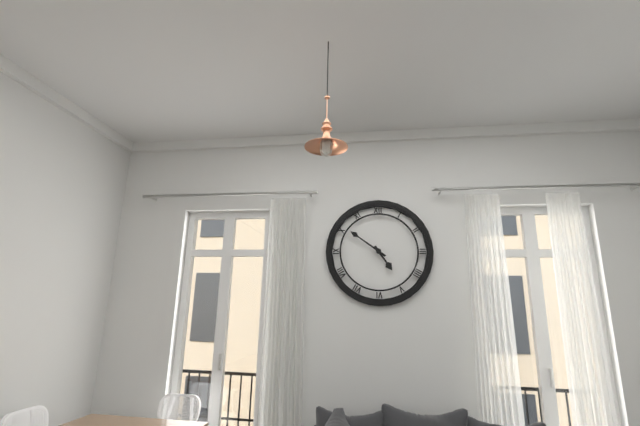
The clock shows 4.51
